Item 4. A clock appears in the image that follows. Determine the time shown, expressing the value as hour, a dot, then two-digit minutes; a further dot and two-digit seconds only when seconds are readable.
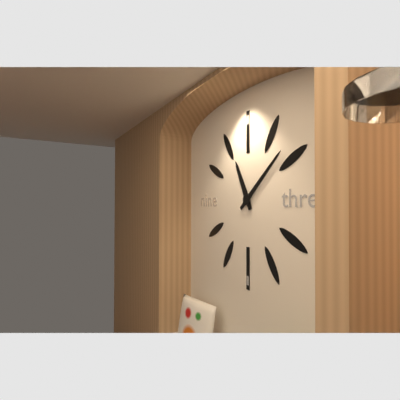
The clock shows 11.08
